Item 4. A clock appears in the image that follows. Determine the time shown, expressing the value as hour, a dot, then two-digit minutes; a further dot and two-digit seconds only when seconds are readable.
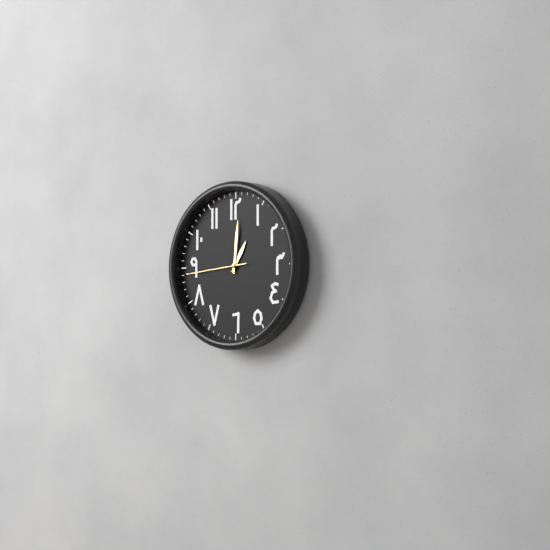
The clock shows 1.01.44
